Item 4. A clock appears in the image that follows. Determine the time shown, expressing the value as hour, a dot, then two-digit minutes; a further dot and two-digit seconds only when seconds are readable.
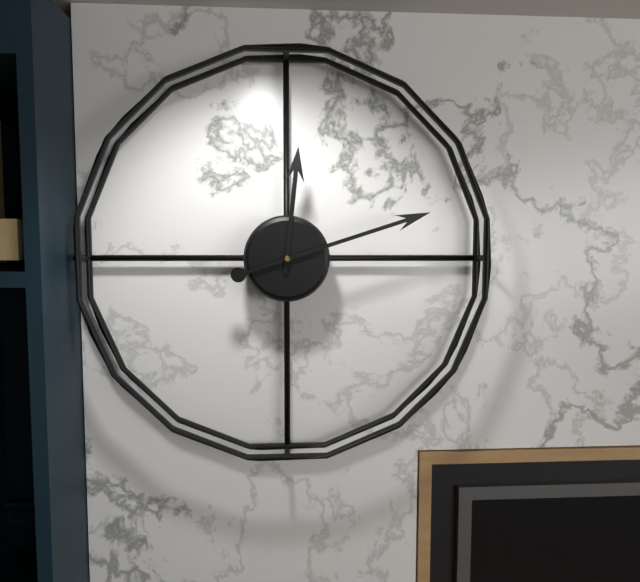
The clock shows 12.12
